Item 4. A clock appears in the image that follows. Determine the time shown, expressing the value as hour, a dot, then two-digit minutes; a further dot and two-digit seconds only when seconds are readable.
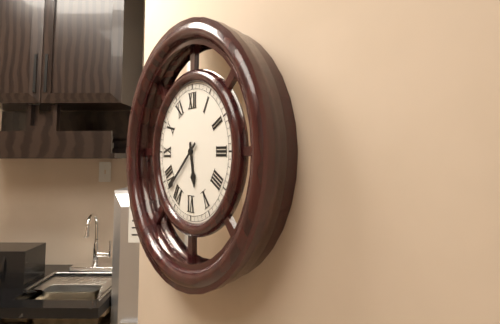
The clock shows 5.38
